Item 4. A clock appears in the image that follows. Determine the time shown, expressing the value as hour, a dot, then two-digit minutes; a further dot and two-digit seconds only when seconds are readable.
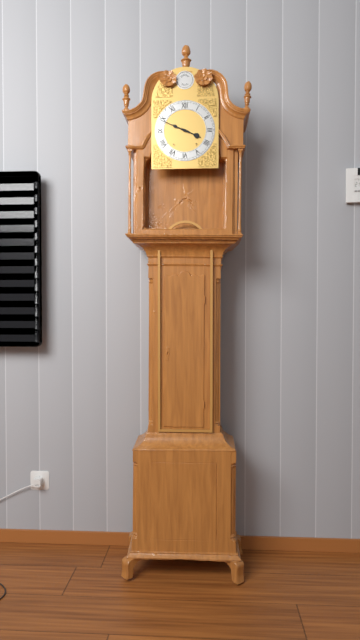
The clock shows 3.49
